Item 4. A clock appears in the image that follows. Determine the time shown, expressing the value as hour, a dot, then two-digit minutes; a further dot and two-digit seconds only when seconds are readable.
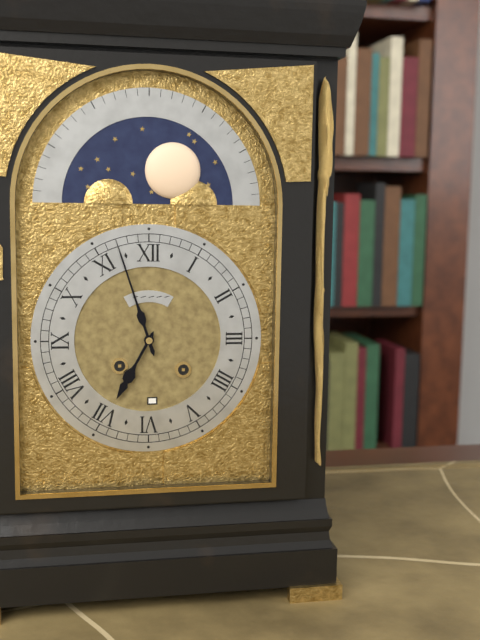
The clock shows 6.57
